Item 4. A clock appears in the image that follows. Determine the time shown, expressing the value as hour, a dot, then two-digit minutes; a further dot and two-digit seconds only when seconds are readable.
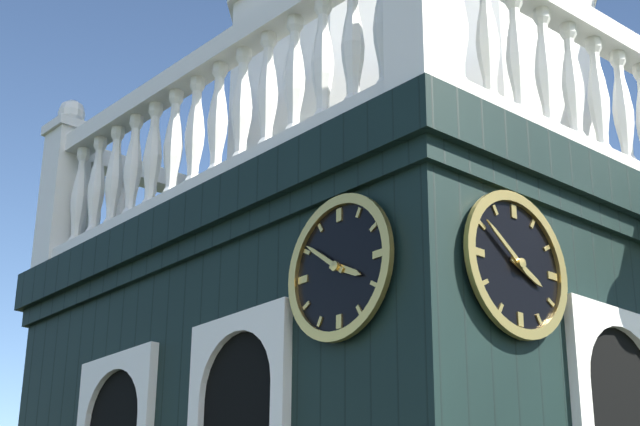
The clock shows 3.51
